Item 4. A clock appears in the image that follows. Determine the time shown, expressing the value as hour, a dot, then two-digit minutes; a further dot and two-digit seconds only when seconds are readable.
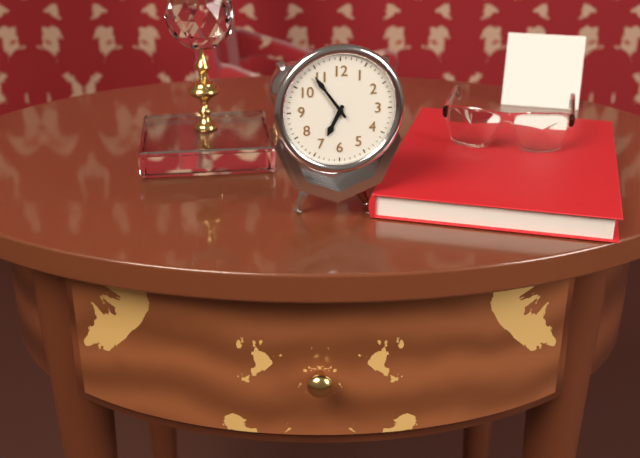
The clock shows 6.54
